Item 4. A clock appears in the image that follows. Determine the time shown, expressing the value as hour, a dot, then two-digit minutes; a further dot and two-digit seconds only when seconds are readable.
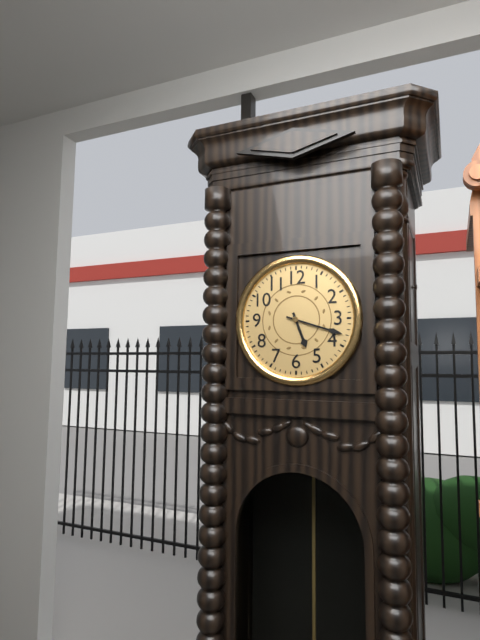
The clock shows 5.18
